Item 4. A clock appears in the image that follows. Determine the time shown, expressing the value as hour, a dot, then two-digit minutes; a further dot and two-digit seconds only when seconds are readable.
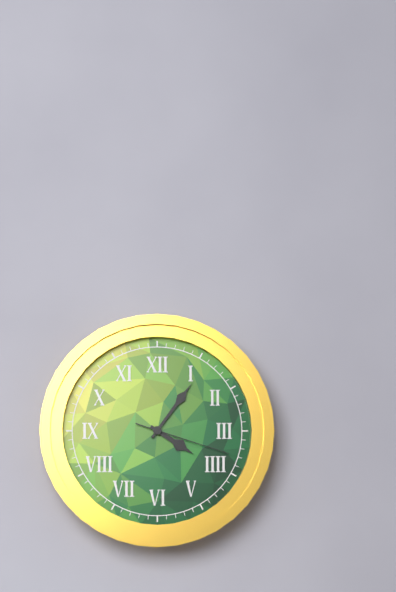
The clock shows 4.06.18
